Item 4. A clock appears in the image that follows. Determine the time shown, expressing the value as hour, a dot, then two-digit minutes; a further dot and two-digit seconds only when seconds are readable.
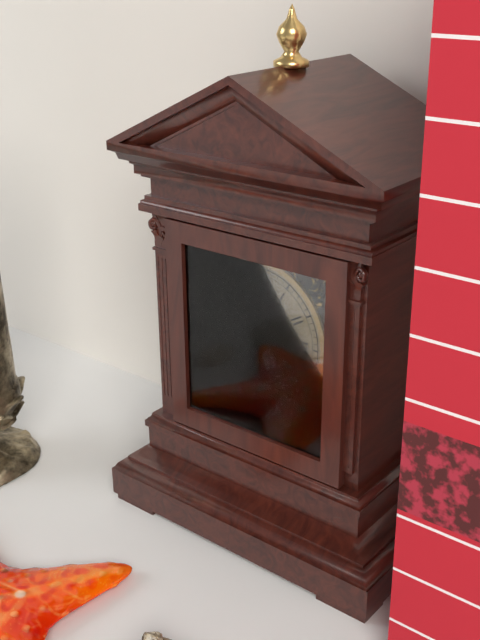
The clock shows 10.19.04
